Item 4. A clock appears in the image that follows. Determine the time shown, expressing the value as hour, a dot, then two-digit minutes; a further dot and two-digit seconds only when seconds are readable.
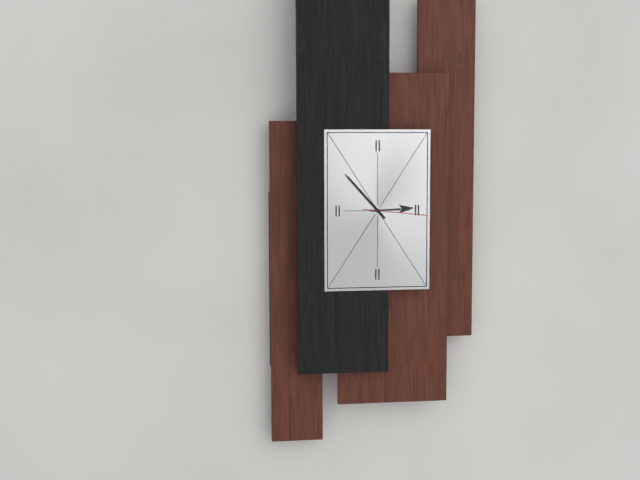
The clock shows 2.53.16
